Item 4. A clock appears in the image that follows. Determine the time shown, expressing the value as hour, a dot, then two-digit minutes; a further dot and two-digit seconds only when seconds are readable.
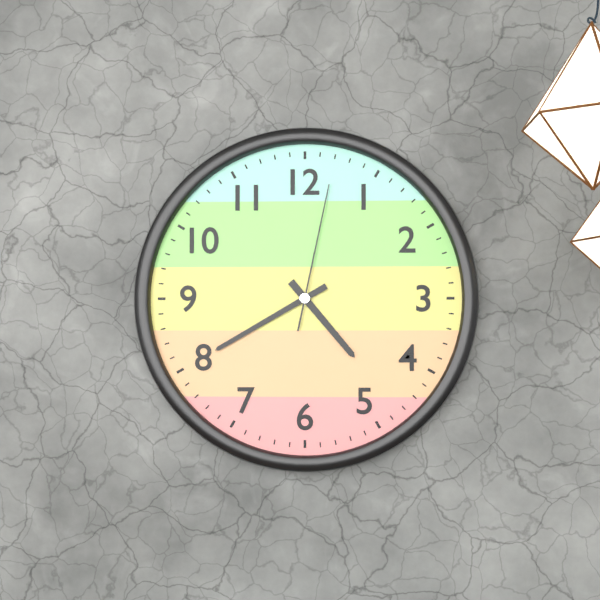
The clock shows 4.40.02
